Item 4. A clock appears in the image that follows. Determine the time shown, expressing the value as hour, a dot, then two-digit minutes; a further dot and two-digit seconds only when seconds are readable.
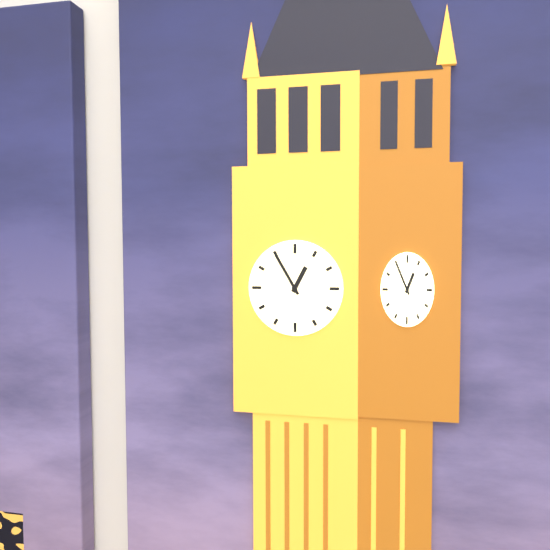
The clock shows 12.55
